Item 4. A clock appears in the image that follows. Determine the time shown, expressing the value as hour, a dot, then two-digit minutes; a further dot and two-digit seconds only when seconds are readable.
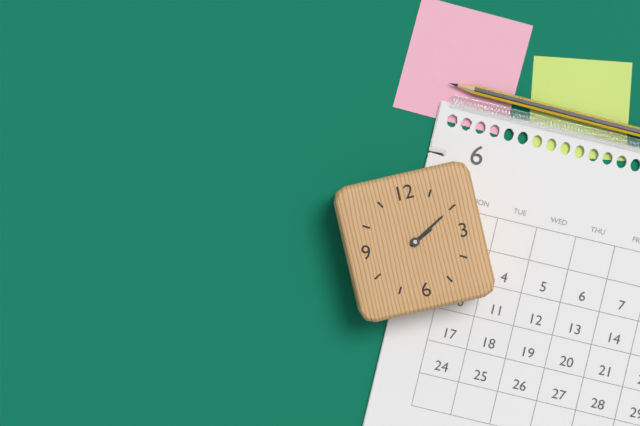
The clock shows 2.10
